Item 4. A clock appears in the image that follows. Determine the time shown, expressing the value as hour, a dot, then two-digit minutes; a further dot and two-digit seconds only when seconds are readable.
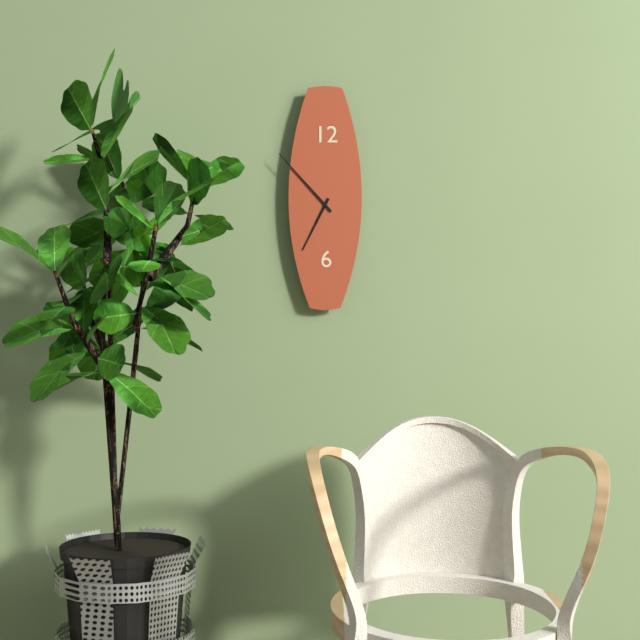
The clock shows 6.53
